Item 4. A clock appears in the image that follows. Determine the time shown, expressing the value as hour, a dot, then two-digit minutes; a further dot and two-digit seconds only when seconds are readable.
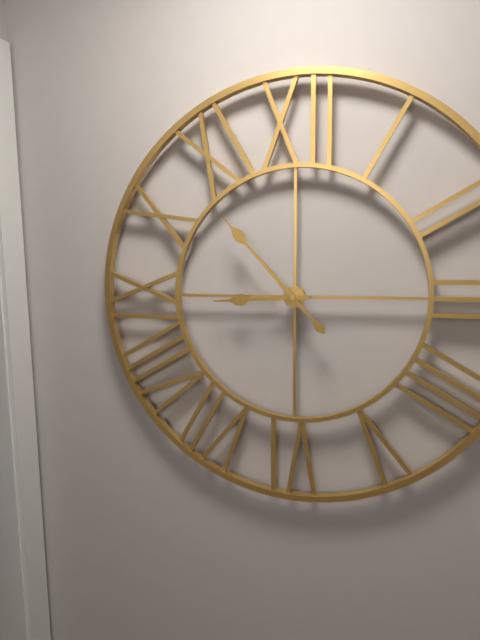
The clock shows 8.53
